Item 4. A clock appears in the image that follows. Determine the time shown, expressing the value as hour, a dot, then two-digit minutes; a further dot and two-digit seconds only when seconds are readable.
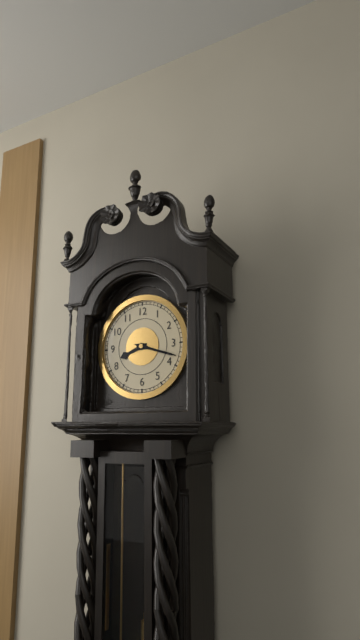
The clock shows 8.18
